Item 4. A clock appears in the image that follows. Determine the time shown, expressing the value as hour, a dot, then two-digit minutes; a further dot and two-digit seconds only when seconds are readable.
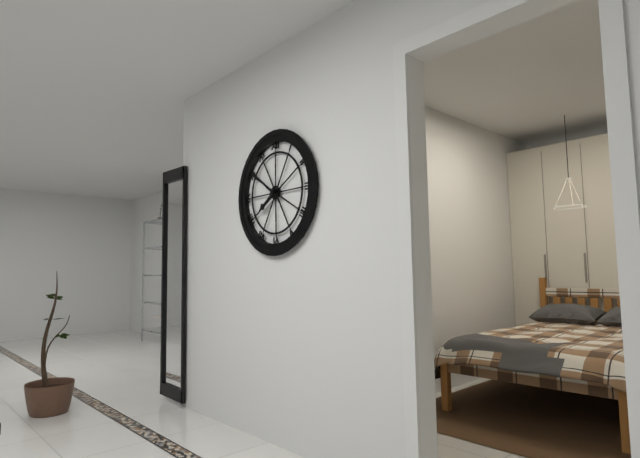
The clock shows 7.51
